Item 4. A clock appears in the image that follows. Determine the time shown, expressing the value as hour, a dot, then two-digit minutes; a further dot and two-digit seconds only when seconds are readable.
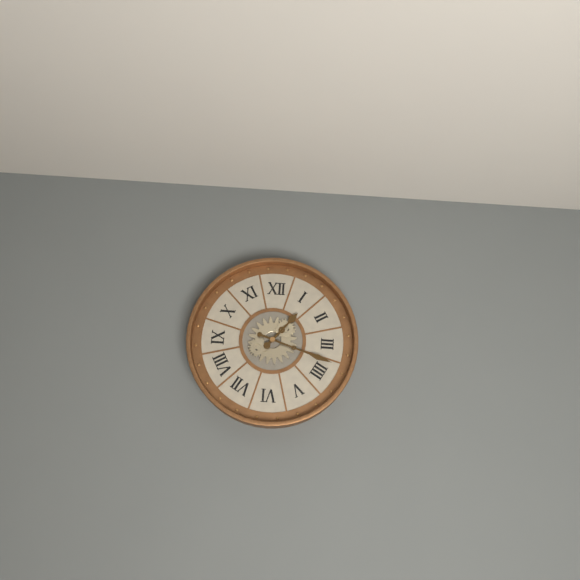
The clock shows 1.18
